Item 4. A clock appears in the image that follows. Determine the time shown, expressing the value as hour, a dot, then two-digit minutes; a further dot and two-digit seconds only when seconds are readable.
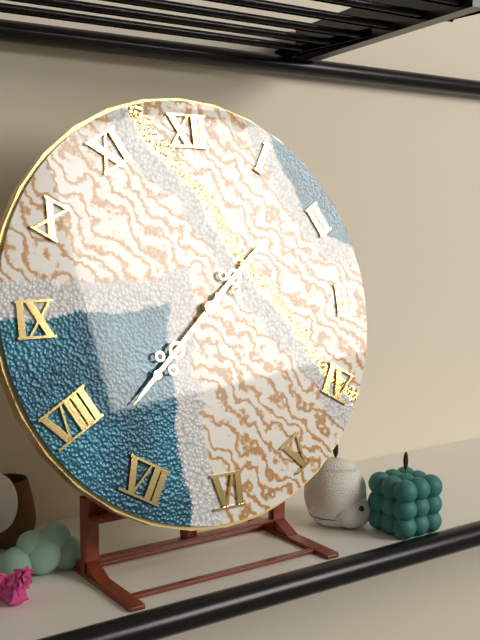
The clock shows 1.38
